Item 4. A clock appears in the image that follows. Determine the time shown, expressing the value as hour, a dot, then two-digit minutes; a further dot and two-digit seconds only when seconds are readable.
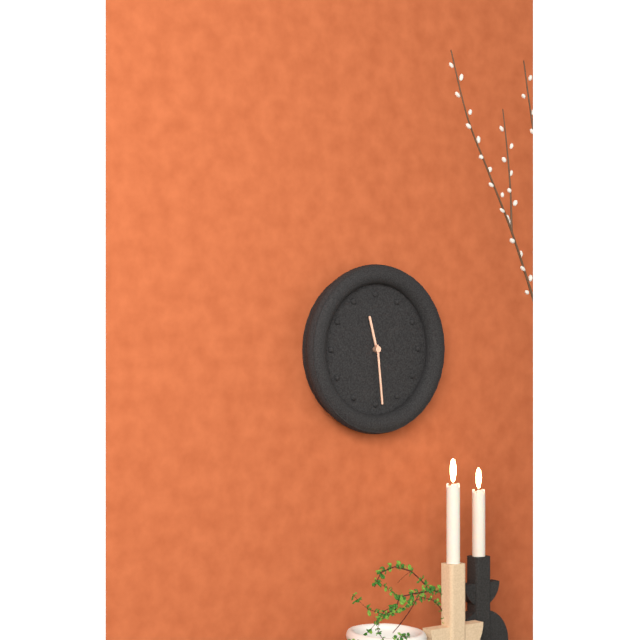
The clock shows 11.29
